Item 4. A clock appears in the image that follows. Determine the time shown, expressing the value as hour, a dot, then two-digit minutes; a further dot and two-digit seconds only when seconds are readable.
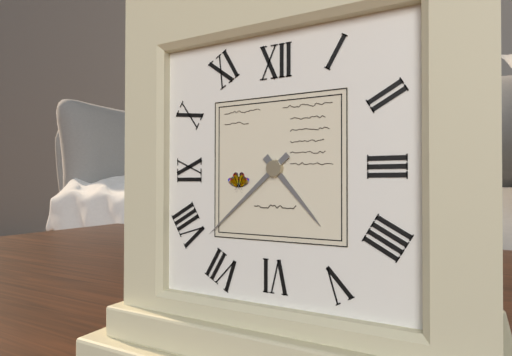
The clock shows 4.38
